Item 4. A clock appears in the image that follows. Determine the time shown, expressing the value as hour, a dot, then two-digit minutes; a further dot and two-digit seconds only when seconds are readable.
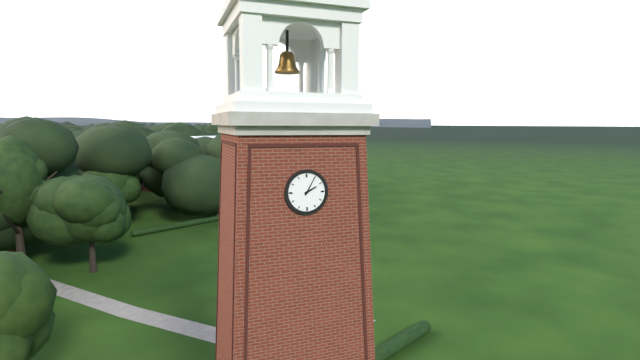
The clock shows 2.05
